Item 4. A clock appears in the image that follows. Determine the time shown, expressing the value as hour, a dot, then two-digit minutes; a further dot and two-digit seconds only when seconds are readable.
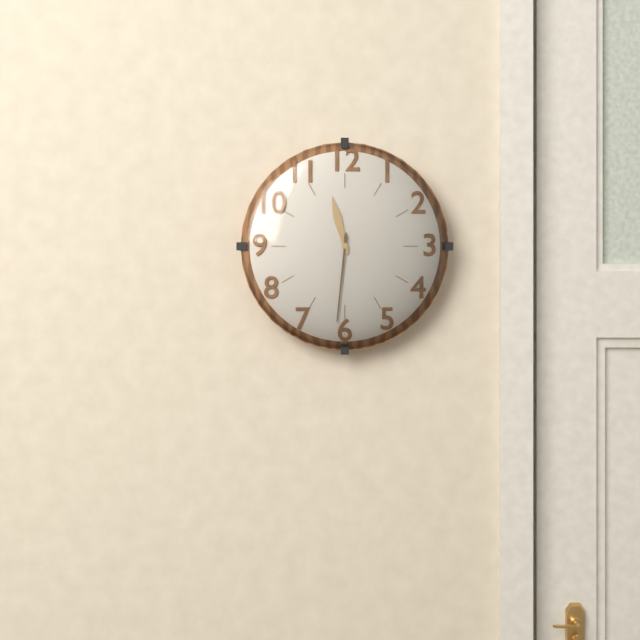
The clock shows 11.31
